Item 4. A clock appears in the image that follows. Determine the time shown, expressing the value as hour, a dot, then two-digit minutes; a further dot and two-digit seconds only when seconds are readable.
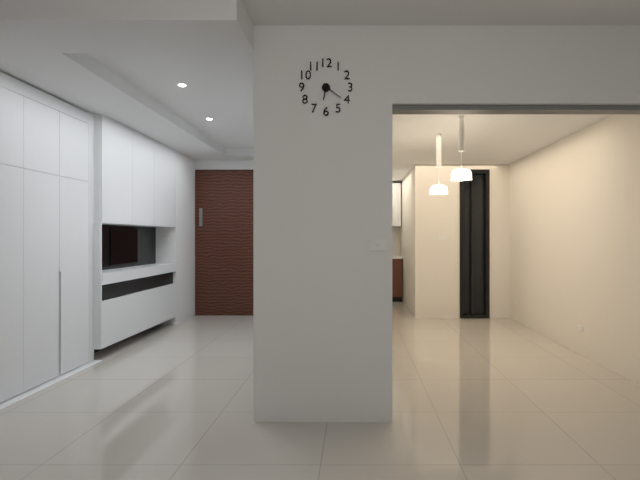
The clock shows 6.21
